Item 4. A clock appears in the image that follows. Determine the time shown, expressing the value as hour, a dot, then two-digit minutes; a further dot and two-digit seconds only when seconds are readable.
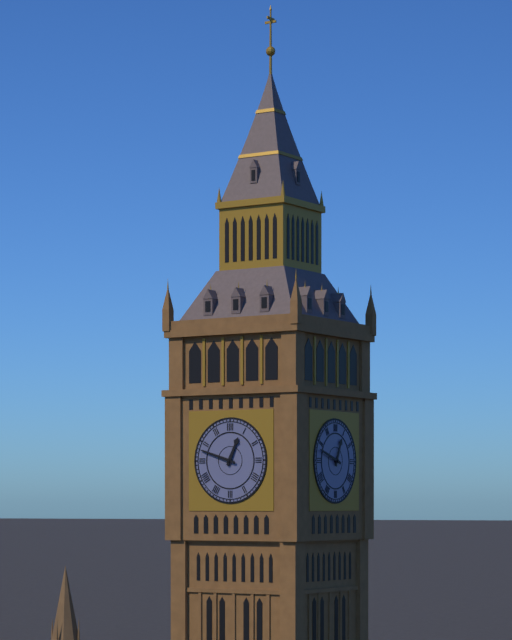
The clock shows 12.48
